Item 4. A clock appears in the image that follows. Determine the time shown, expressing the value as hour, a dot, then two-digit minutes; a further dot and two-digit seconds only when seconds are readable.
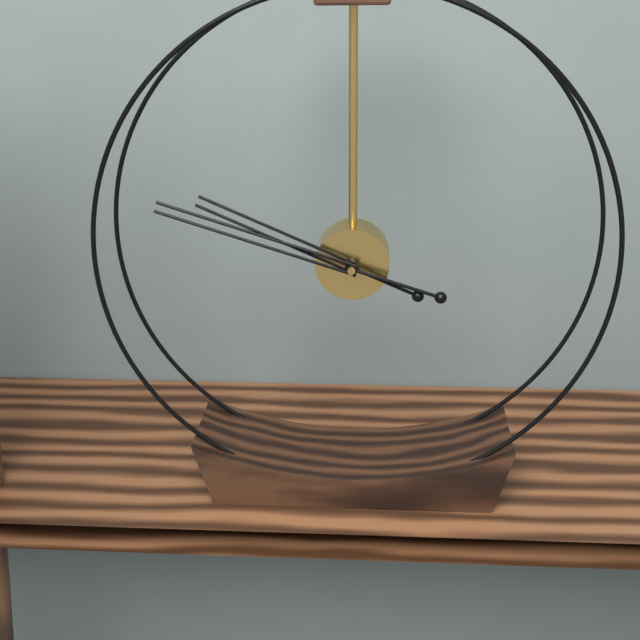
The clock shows 9.48
